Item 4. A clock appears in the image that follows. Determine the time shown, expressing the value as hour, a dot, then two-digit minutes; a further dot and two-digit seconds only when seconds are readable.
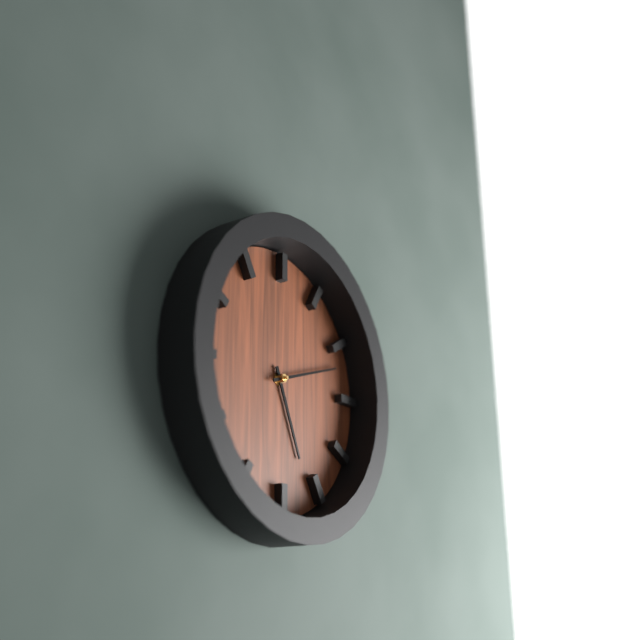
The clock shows 5.12
